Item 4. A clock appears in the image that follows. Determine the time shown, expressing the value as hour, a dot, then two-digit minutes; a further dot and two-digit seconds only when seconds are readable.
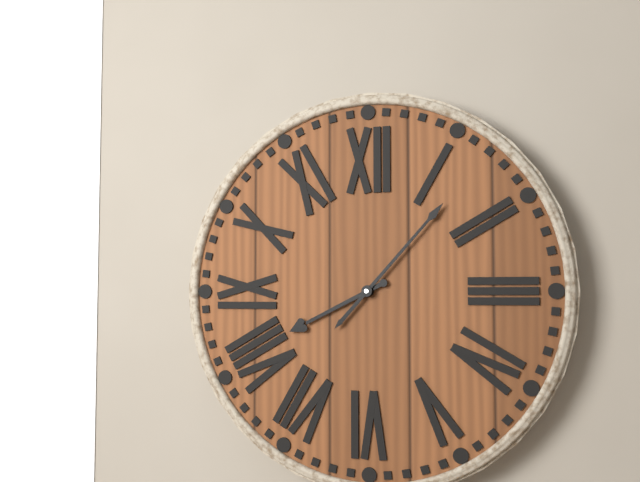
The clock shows 8.07
